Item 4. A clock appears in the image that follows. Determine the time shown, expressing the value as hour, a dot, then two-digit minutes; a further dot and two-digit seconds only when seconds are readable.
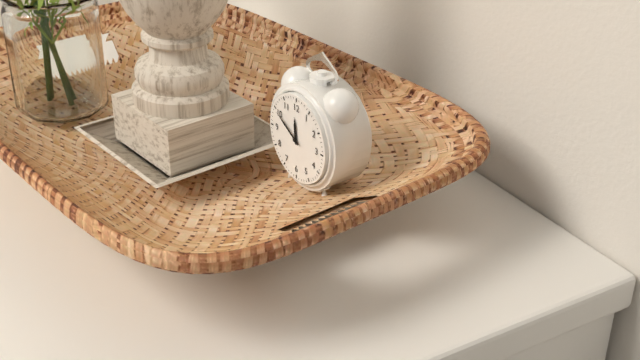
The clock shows 11.50
